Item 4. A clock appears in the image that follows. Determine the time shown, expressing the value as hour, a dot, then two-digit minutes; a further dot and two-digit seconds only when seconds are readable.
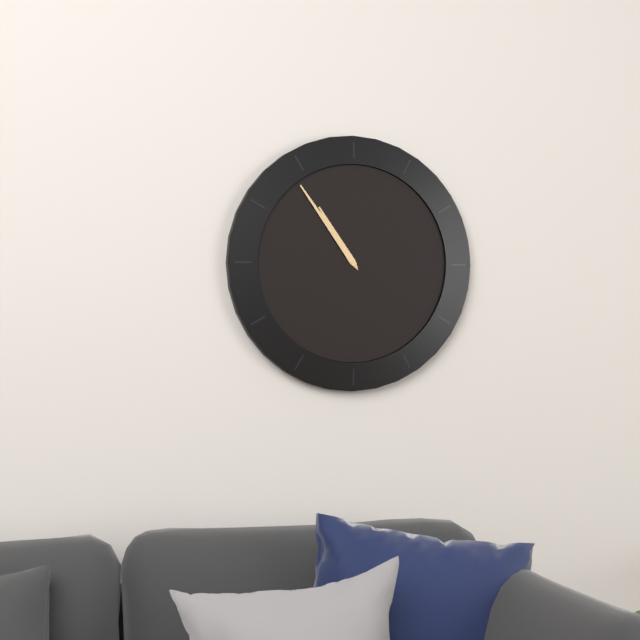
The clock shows 10.54
